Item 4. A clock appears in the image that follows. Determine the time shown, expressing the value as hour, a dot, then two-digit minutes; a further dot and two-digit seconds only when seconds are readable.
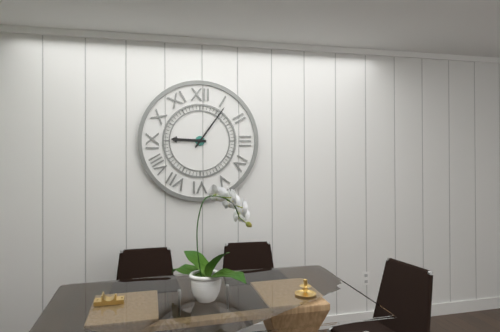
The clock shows 9.06
